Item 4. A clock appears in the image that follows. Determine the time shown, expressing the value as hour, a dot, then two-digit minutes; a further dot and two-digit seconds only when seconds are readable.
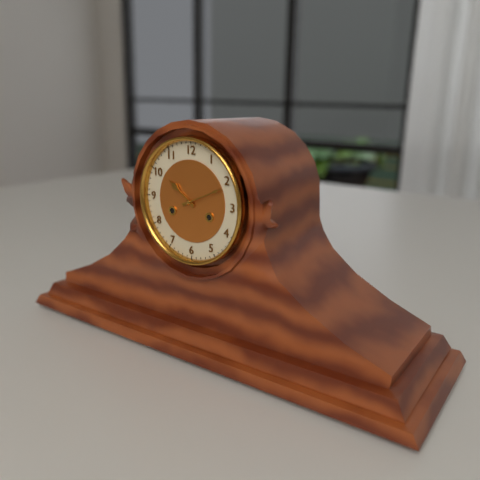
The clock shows 10.11
